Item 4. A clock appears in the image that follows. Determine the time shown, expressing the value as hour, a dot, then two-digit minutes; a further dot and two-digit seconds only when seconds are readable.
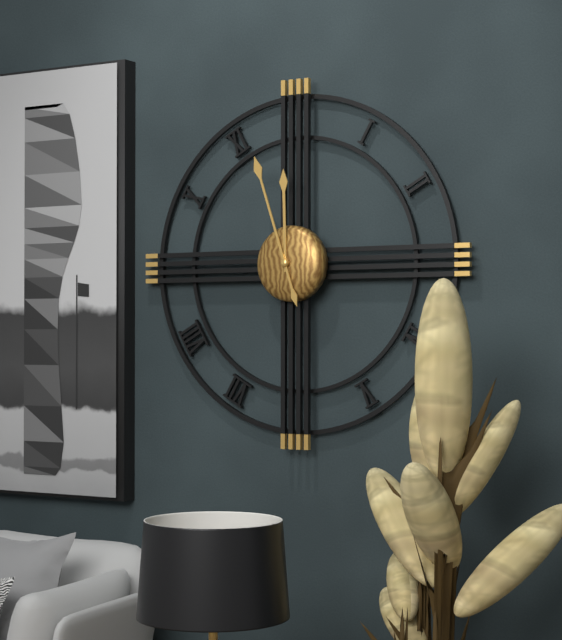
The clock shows 11.57
